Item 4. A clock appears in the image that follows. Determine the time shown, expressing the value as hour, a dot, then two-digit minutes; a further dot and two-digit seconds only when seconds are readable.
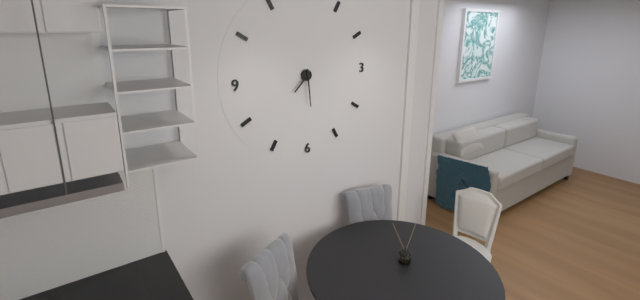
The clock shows 7.29
